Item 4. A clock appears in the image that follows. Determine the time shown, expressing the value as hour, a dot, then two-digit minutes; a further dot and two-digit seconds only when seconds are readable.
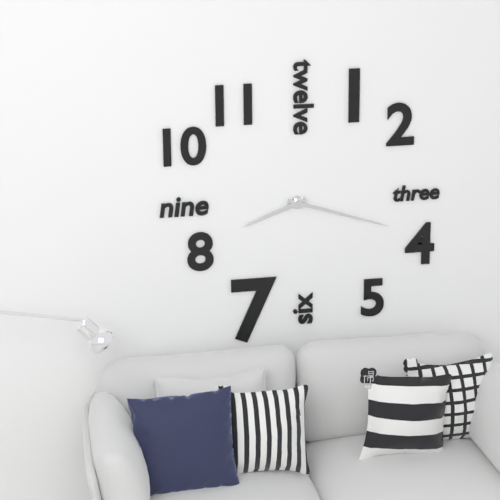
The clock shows 8.18
